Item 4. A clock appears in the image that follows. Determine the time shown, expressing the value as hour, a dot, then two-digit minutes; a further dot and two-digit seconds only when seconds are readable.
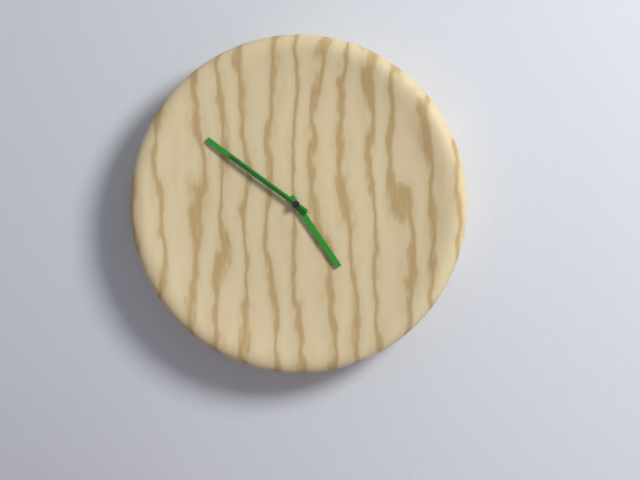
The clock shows 4.51.51
